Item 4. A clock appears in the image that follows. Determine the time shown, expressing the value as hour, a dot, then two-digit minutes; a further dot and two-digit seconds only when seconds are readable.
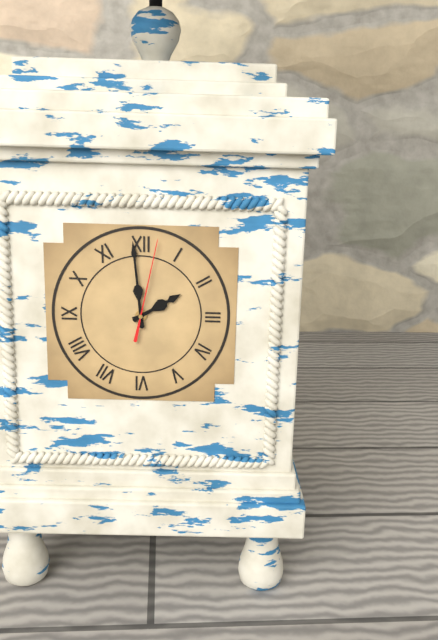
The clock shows 1.59.02
